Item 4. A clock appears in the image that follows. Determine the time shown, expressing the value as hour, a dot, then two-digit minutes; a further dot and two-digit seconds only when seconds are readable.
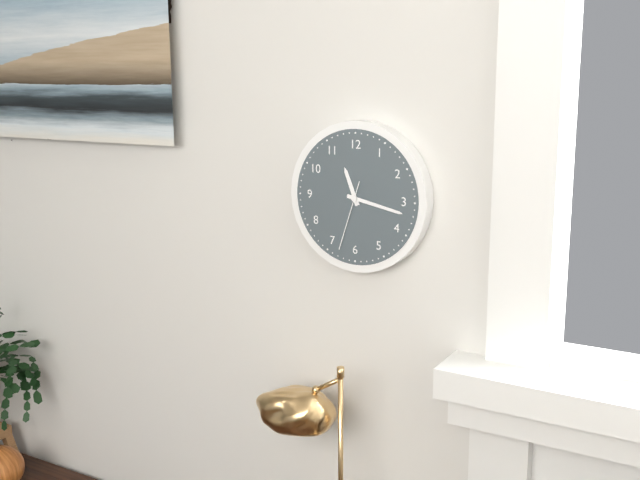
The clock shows 11.17.33
